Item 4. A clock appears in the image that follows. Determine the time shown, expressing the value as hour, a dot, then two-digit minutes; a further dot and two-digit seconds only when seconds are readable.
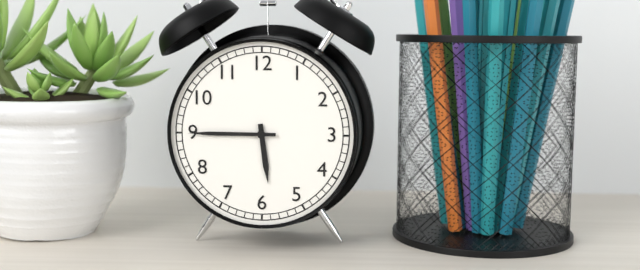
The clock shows 5.45
